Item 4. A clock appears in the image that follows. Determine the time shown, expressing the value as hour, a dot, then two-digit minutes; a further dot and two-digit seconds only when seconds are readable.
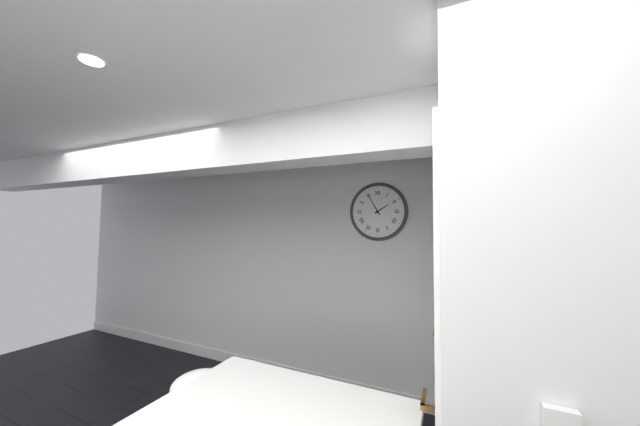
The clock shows 1.55
